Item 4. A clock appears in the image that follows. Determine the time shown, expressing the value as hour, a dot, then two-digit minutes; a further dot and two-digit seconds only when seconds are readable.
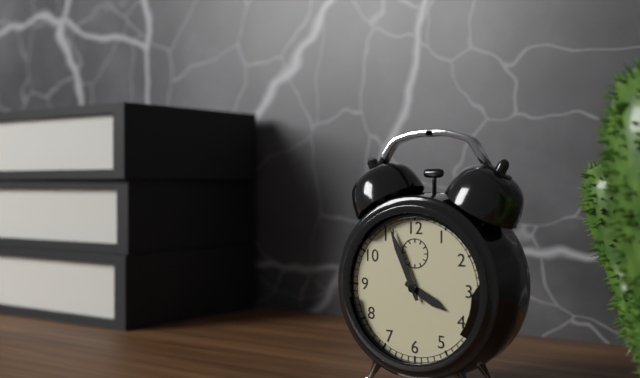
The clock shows 3.56
